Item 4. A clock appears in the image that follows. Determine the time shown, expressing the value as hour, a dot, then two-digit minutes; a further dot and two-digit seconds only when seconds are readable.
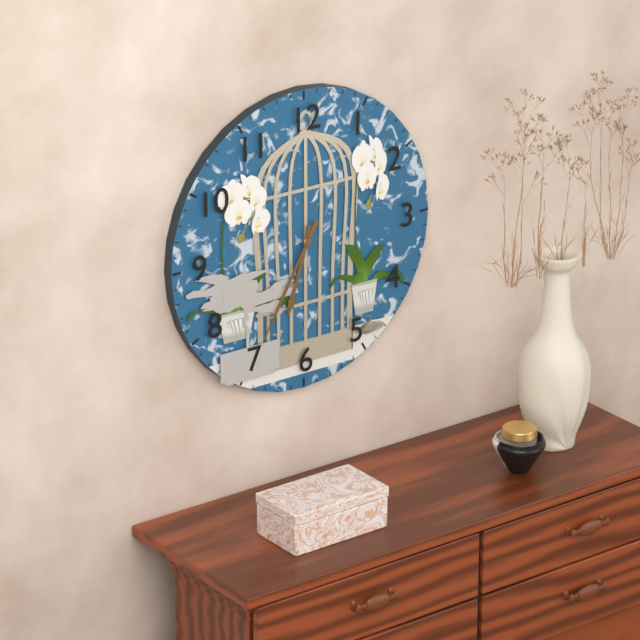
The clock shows 6.35
